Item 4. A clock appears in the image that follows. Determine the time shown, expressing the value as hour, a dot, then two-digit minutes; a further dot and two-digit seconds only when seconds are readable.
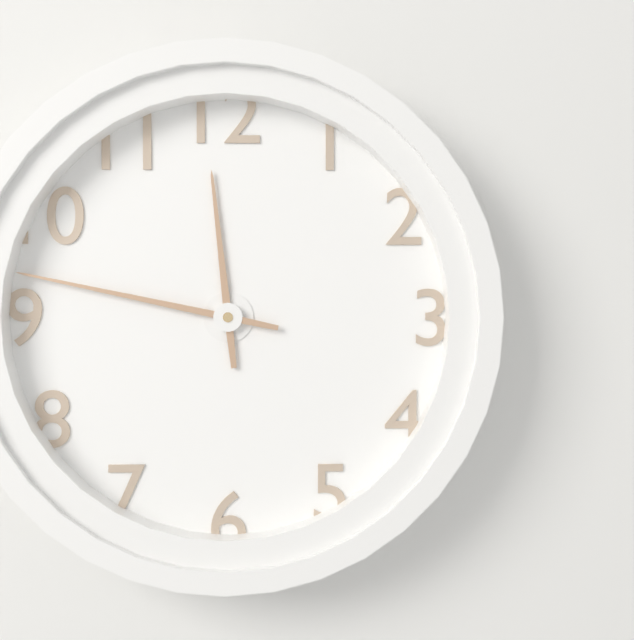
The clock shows 11.47
